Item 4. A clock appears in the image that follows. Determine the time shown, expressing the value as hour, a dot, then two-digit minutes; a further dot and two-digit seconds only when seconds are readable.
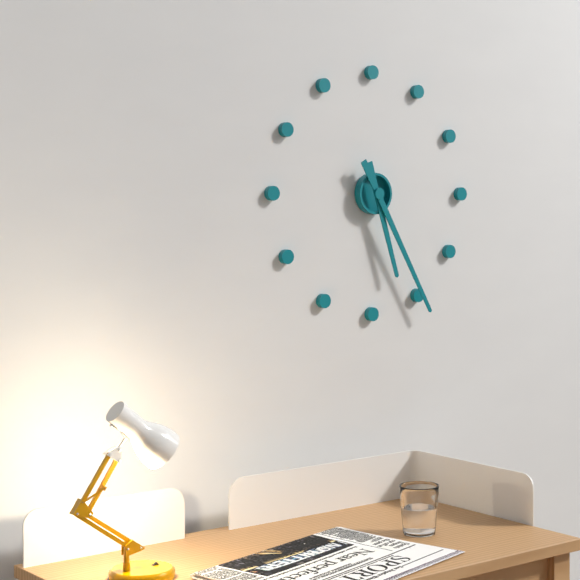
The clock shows 5.25
